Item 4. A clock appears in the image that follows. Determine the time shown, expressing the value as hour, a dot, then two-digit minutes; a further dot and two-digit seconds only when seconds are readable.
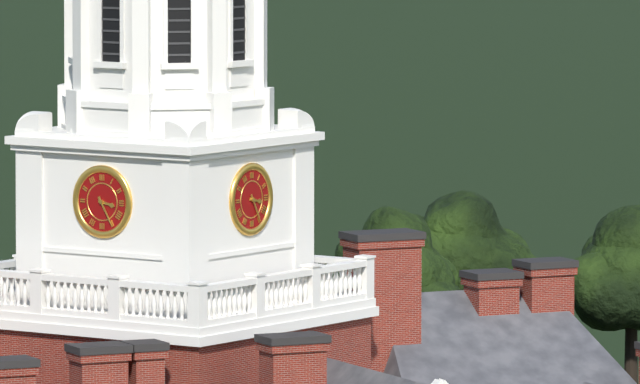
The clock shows 3.25
